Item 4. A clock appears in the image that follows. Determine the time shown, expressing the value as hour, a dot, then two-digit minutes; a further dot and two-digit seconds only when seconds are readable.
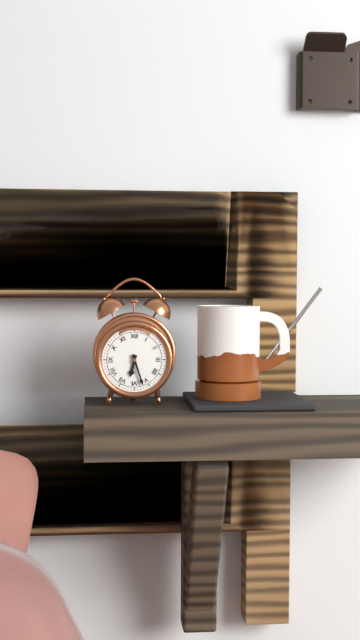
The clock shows 6.27
